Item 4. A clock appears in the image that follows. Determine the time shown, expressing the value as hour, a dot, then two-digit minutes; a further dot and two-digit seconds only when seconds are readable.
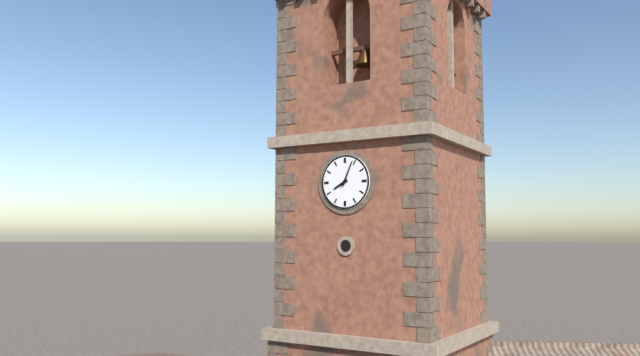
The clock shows 8.04
